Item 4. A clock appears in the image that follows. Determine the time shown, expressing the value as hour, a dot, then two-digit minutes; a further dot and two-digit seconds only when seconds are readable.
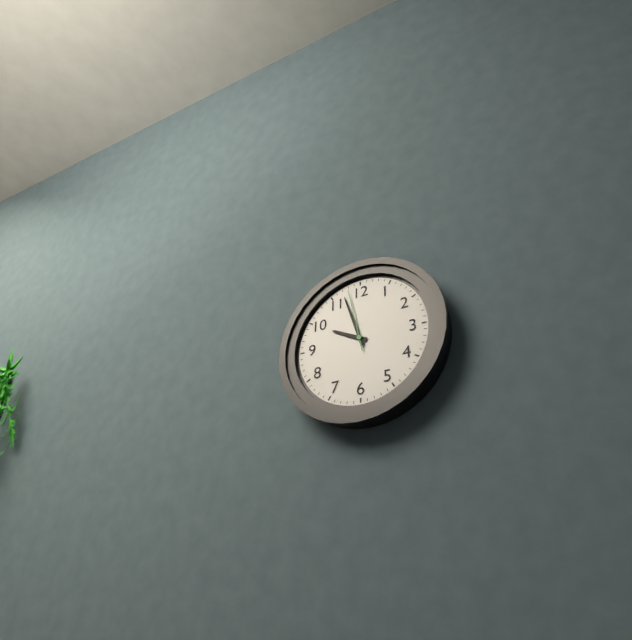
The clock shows 9.57.58
